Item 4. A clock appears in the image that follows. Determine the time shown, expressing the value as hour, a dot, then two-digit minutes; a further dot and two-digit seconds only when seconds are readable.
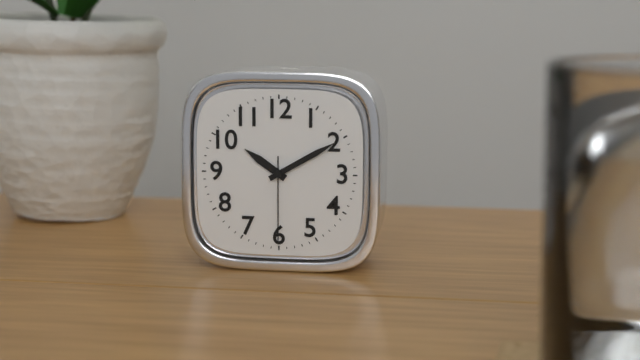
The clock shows 10.10.30
